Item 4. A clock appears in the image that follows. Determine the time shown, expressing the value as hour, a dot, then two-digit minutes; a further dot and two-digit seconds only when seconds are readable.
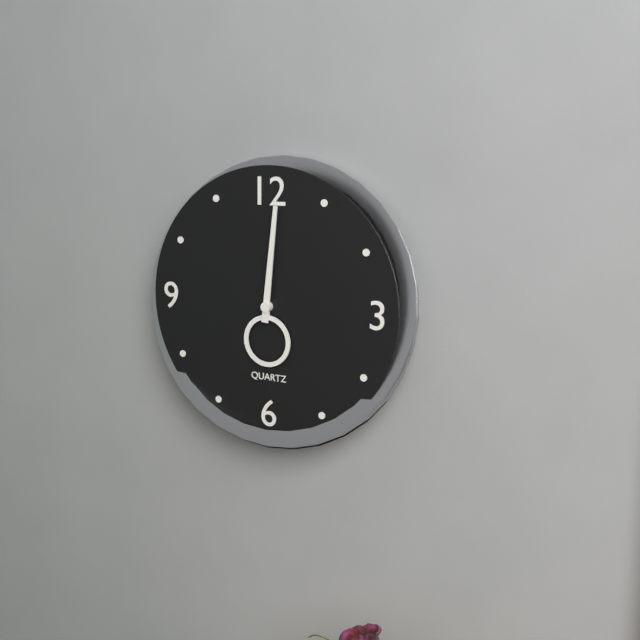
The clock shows 6.01
